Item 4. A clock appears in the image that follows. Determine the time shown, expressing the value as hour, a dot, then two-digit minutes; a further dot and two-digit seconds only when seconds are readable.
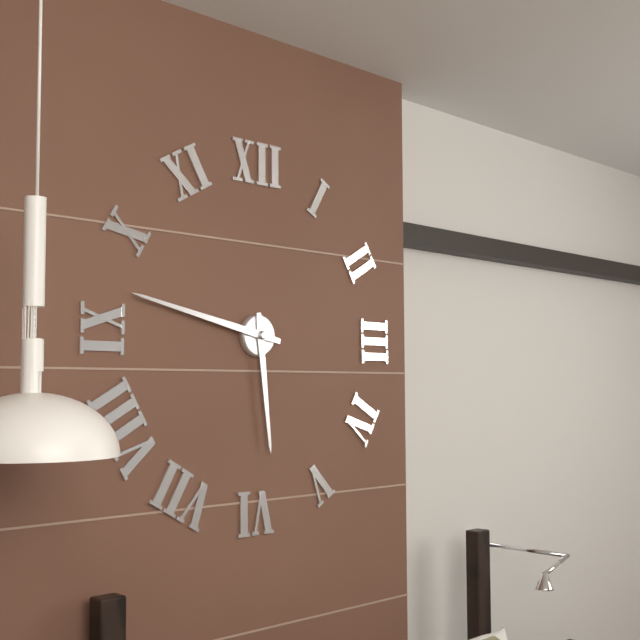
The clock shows 5.47
